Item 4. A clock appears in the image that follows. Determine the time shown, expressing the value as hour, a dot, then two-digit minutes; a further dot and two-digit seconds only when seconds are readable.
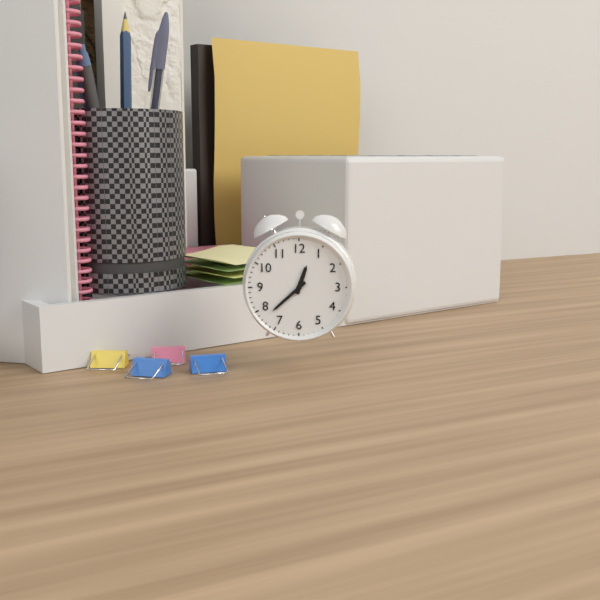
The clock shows 12.38
